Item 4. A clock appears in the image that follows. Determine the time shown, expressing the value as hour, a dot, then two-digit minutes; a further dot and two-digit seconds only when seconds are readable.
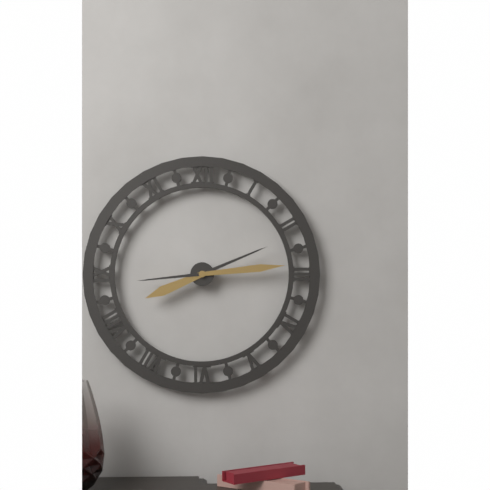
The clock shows 8.14
